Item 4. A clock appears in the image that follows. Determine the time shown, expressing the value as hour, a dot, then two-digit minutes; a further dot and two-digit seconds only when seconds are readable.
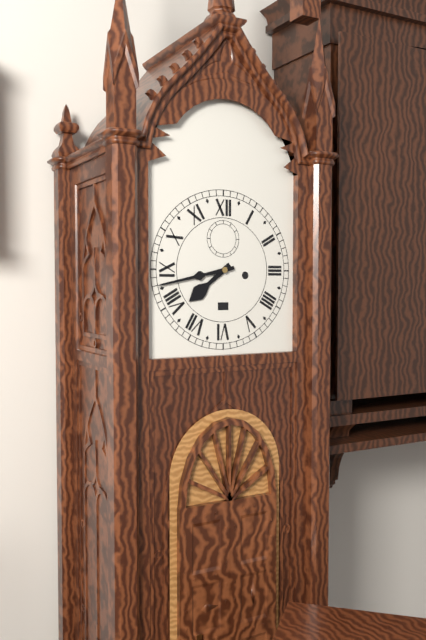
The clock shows 7.43
